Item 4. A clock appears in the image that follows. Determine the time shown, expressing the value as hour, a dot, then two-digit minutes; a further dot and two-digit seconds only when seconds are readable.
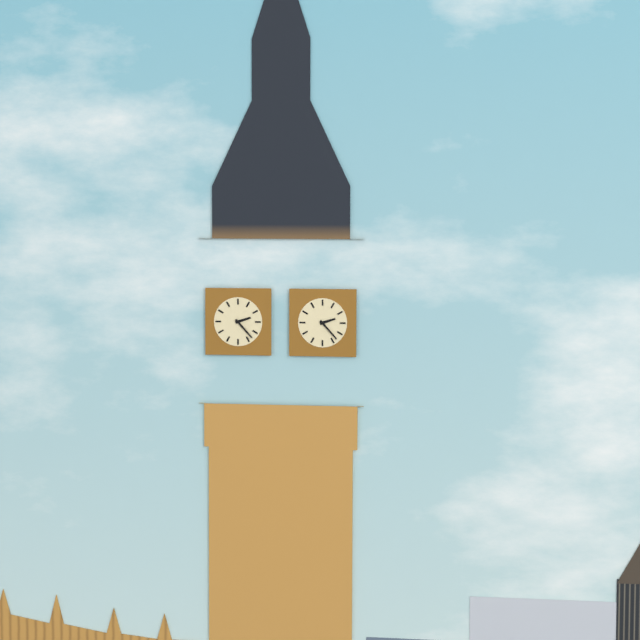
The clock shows 2.23
